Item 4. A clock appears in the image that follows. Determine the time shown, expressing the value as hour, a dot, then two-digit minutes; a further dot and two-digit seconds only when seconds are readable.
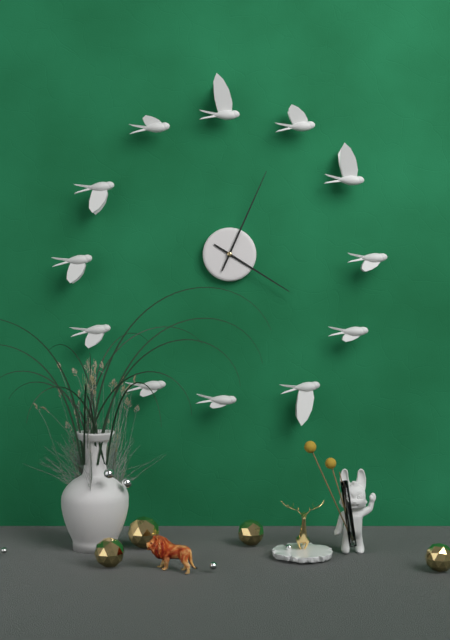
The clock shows 4.04
